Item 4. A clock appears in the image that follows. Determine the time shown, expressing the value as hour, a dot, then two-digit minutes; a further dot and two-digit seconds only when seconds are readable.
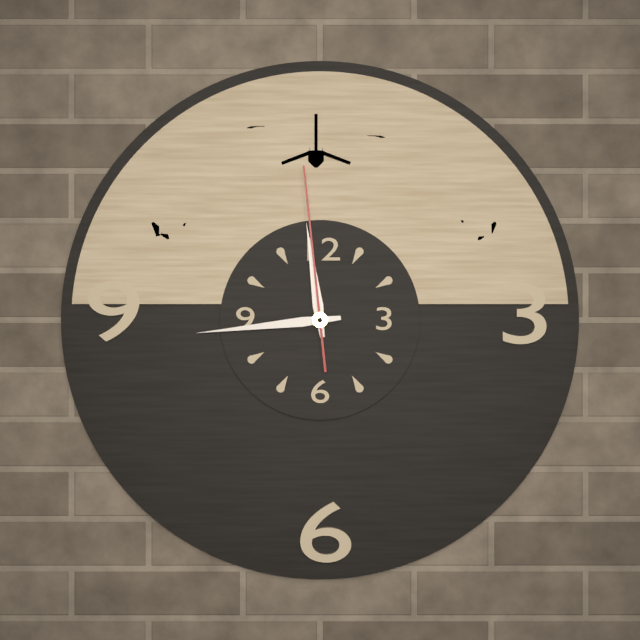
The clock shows 11.44.59
